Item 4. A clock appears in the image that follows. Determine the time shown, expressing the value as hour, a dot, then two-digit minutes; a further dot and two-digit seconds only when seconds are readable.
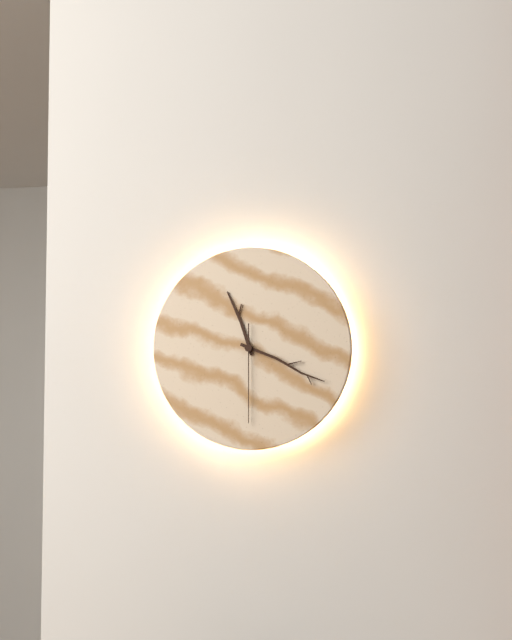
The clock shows 11.19.30
